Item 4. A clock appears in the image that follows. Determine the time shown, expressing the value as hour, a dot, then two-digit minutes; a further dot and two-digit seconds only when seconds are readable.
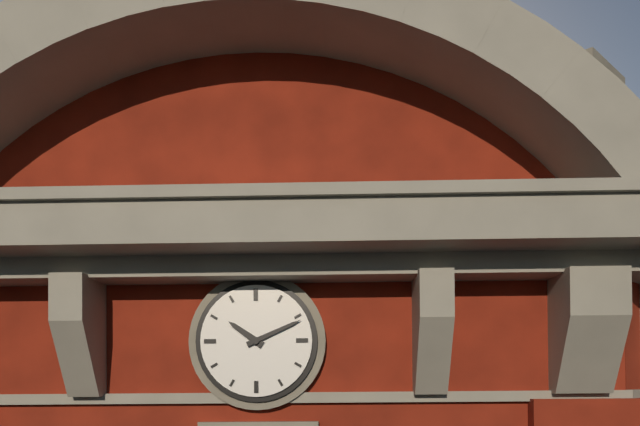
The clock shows 10.11
